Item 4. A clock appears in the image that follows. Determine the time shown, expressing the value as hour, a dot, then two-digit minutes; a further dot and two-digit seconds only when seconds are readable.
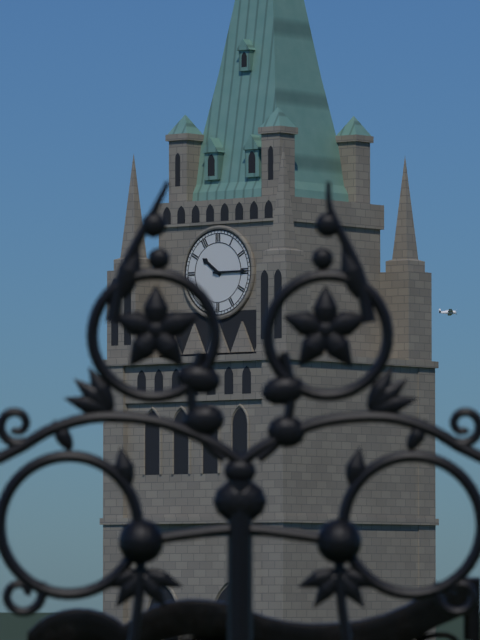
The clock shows 10.15
